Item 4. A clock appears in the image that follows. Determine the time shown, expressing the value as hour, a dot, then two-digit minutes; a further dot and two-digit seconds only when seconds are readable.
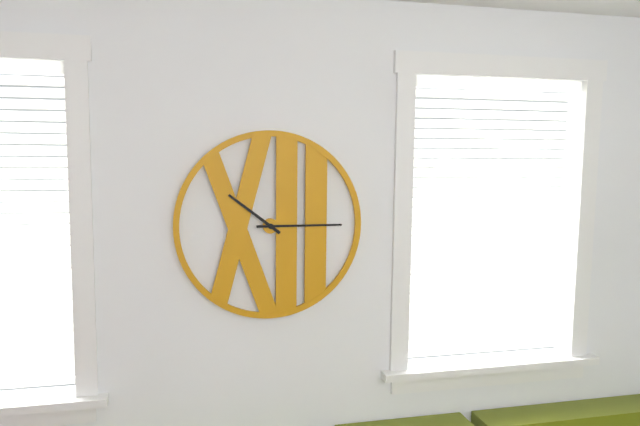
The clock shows 10.15
